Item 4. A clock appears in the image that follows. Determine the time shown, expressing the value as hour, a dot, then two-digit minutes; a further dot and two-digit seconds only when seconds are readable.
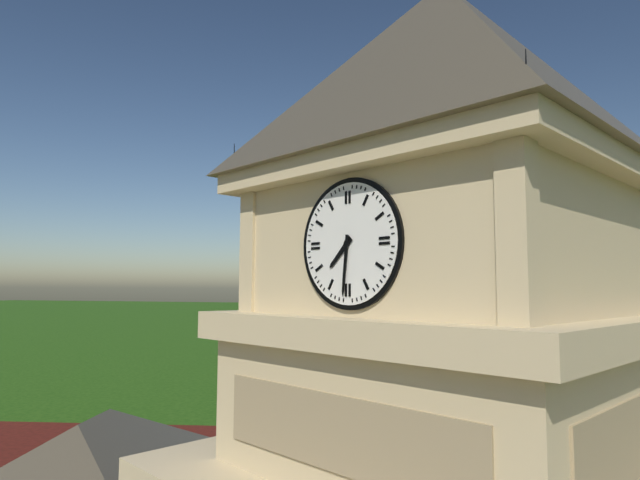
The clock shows 7.31
